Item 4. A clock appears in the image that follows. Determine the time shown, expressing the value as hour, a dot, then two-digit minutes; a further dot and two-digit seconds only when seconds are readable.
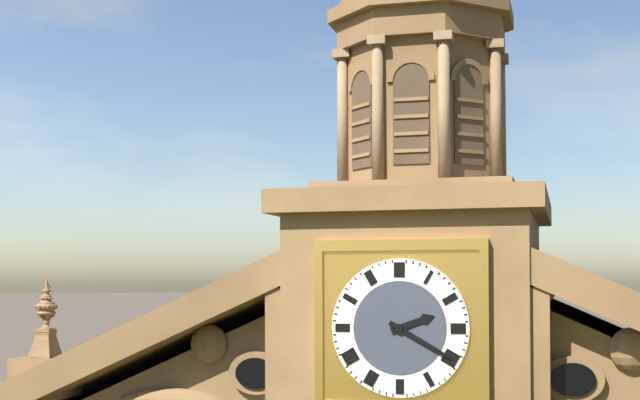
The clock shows 2.20
